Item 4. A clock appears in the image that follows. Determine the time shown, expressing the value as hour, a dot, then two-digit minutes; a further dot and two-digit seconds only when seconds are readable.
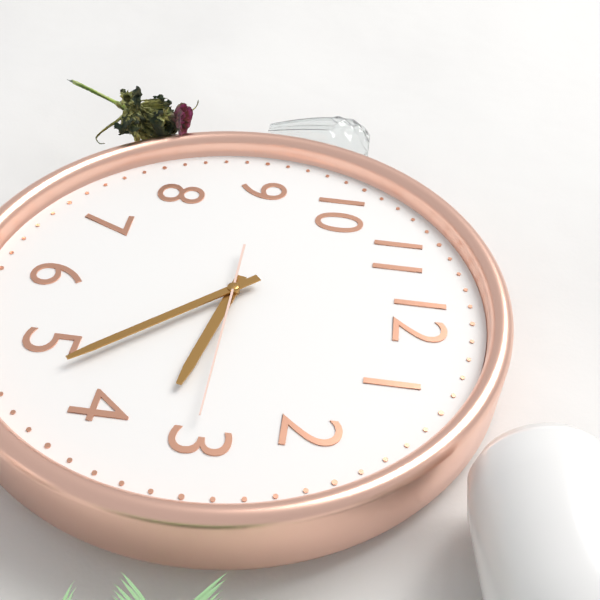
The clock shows 3.23.15
